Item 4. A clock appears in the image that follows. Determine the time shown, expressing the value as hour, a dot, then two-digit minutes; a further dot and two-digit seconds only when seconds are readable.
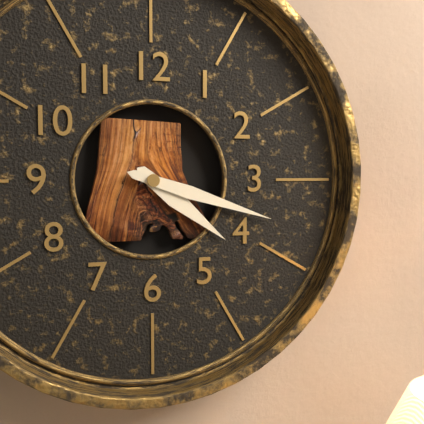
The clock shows 4.18
